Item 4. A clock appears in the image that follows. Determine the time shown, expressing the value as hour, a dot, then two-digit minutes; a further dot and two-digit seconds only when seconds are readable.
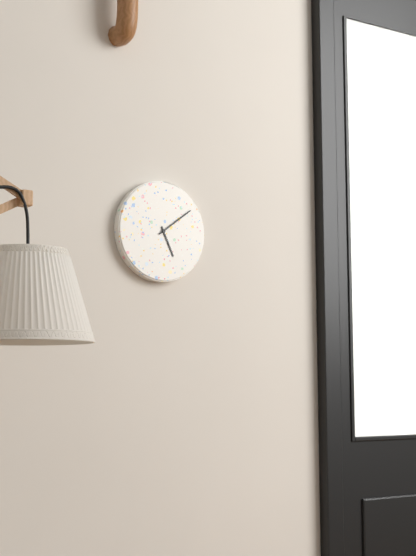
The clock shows 5.09
